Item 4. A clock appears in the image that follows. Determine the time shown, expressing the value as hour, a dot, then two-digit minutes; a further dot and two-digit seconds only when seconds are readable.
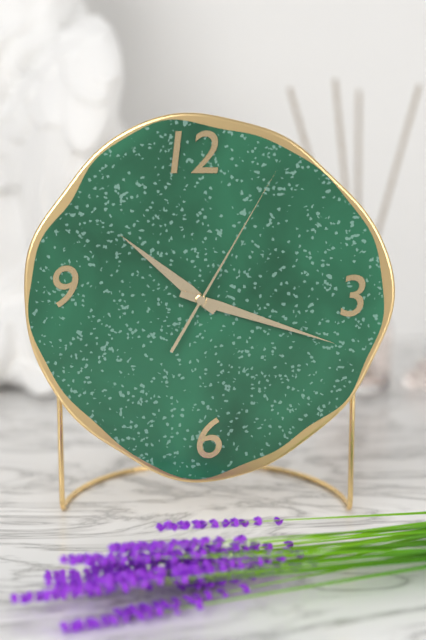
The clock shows 10.18.05
